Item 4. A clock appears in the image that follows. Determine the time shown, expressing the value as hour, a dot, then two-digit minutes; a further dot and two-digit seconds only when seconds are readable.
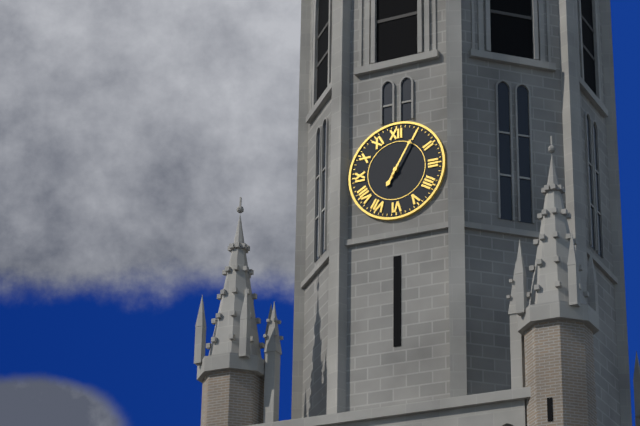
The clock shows 7.05
